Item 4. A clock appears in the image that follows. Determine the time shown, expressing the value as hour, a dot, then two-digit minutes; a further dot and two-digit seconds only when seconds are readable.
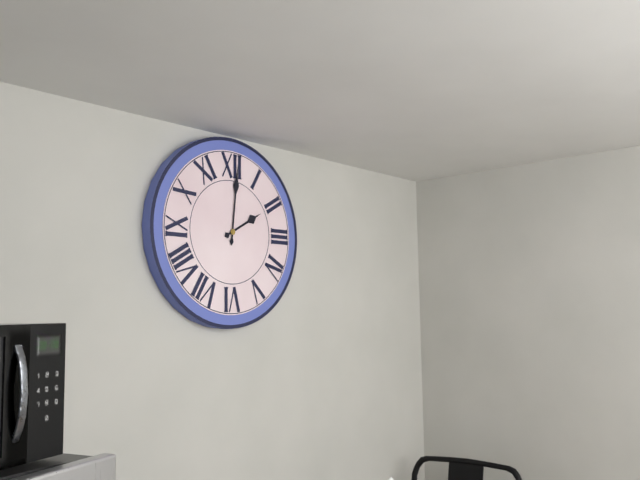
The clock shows 2.01
